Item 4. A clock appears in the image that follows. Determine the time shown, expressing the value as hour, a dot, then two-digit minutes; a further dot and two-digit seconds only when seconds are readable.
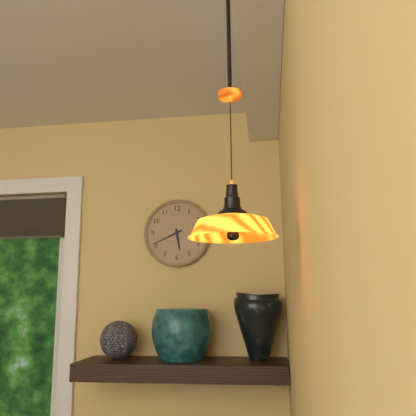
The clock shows 5.41
